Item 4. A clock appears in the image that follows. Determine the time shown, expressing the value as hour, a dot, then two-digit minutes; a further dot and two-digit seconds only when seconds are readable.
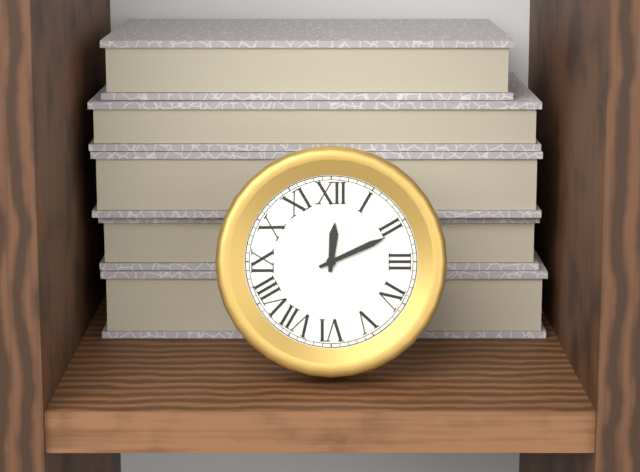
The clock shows 12.11
